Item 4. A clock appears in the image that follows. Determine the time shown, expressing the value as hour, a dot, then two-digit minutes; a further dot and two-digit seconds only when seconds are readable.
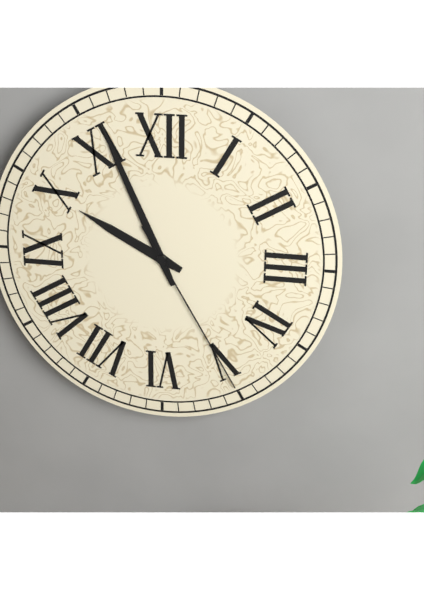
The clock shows 9.56.25
